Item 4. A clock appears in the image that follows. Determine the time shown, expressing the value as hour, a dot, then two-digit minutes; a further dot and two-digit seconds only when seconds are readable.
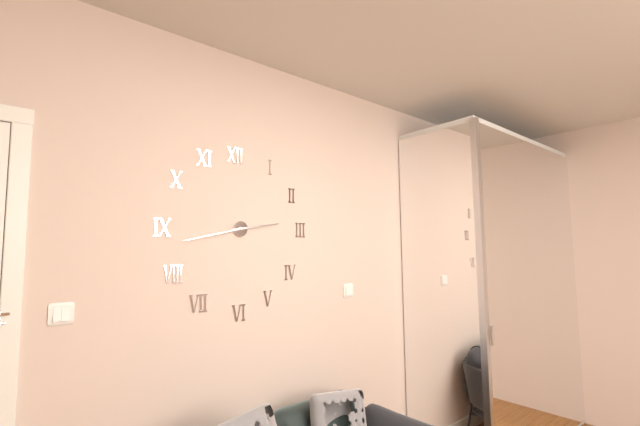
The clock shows 2.43
